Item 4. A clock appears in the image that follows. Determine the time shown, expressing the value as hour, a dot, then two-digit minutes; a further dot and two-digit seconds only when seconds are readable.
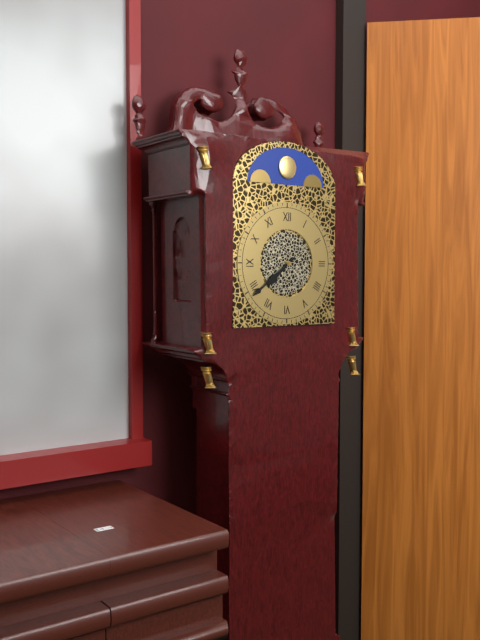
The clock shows 7.39
